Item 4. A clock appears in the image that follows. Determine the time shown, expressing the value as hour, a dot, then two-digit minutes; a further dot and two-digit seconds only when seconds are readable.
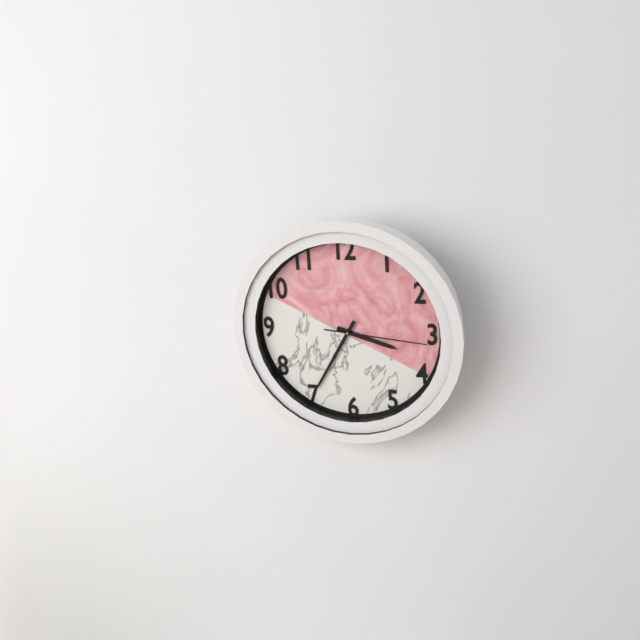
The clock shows 3.35.16
